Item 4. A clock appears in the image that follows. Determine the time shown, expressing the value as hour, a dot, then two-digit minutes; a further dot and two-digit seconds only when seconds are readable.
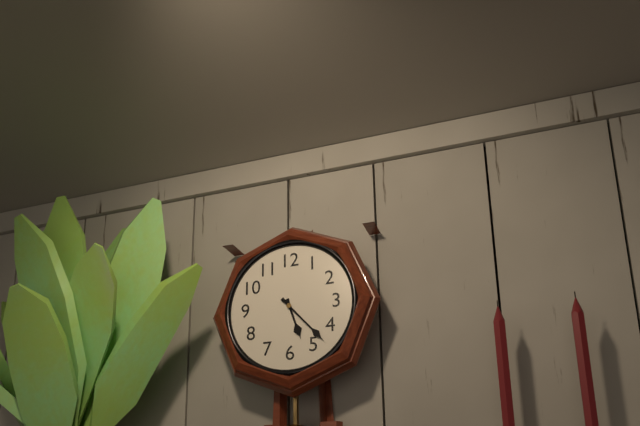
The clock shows 5.23
